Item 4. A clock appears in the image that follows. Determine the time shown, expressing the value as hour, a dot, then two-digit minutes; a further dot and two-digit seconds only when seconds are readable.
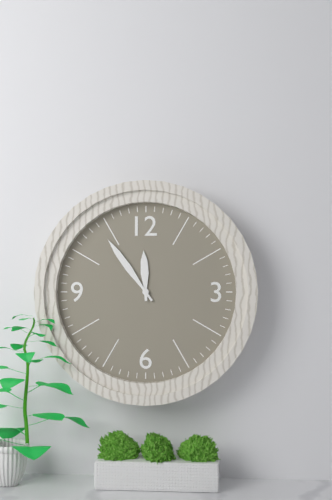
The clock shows 11.54
